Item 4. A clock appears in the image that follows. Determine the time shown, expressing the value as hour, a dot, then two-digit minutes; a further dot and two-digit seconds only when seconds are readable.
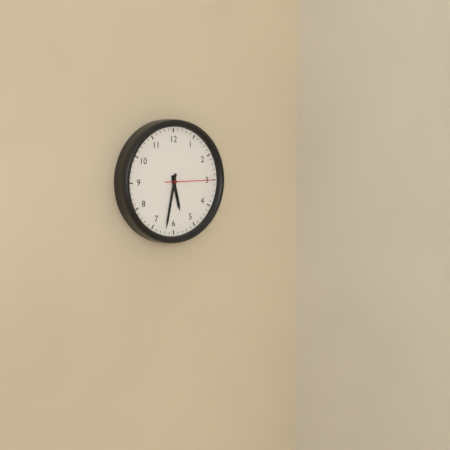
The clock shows 5.32.15
